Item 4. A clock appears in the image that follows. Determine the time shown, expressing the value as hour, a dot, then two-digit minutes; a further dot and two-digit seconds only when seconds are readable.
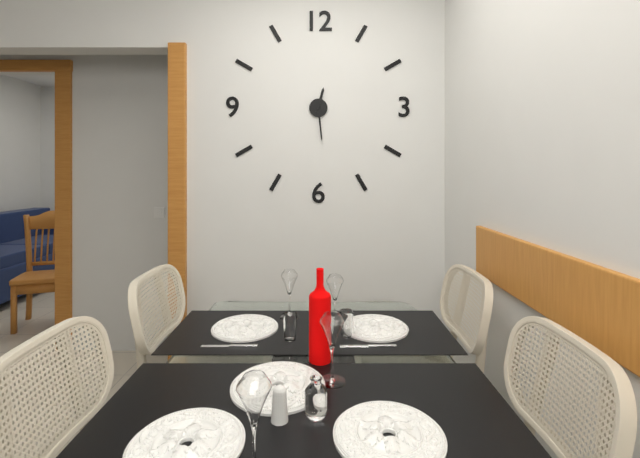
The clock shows 12.29
